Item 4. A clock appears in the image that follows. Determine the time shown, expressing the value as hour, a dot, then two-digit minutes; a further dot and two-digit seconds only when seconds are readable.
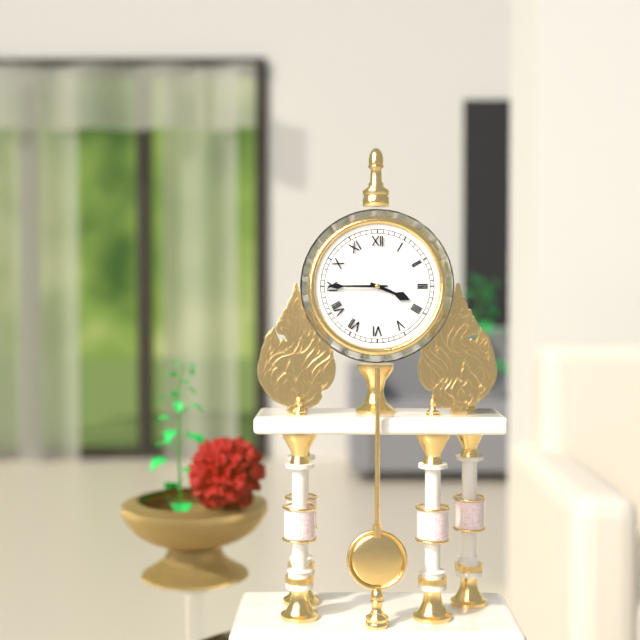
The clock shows 3.45
